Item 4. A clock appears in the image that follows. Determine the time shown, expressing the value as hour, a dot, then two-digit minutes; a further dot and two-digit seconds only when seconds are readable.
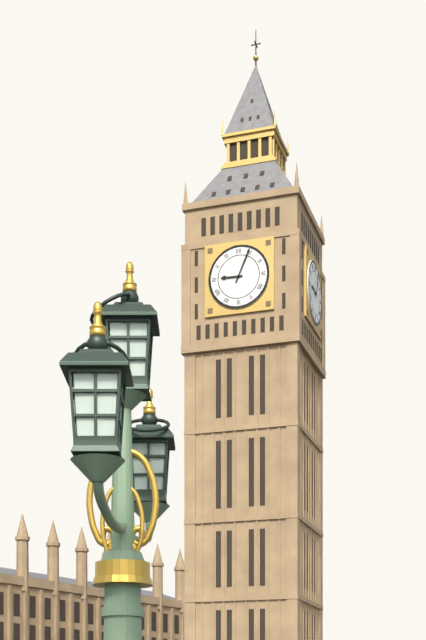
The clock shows 9.04
